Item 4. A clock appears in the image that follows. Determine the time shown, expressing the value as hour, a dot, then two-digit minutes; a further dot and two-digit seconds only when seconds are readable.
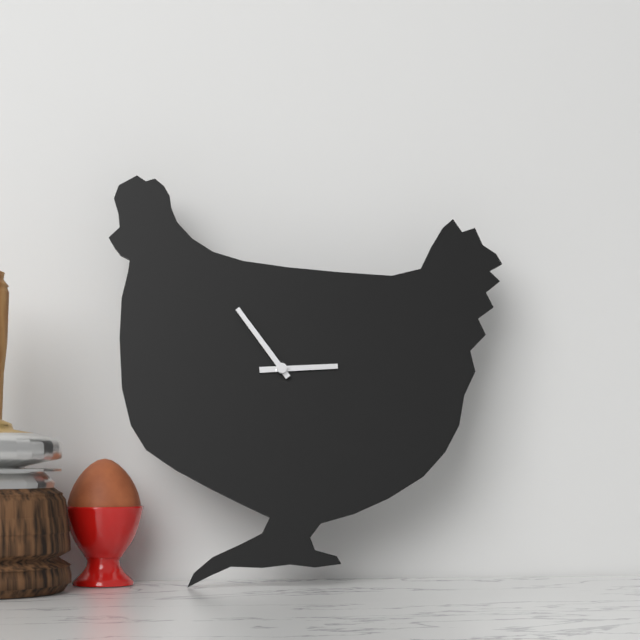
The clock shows 2.54
